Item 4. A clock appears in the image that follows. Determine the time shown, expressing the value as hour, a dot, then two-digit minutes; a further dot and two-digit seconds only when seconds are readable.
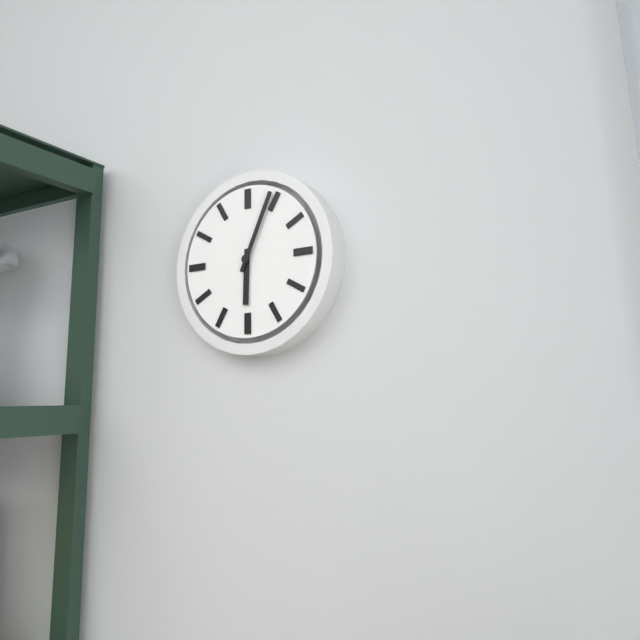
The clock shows 6.04
